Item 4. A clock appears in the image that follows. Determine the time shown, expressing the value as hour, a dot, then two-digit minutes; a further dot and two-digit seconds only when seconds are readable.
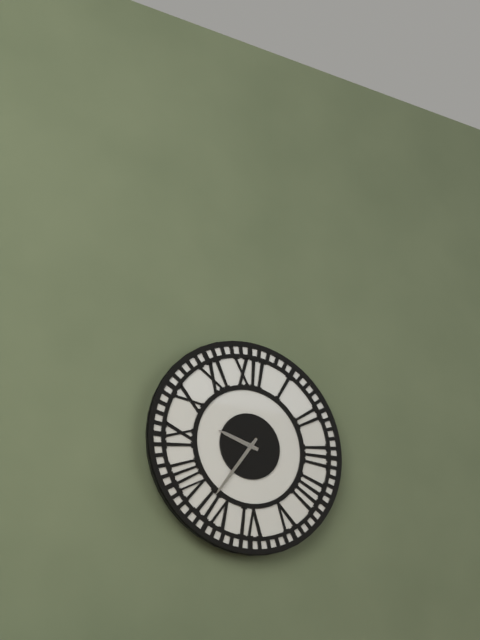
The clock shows 9.36
